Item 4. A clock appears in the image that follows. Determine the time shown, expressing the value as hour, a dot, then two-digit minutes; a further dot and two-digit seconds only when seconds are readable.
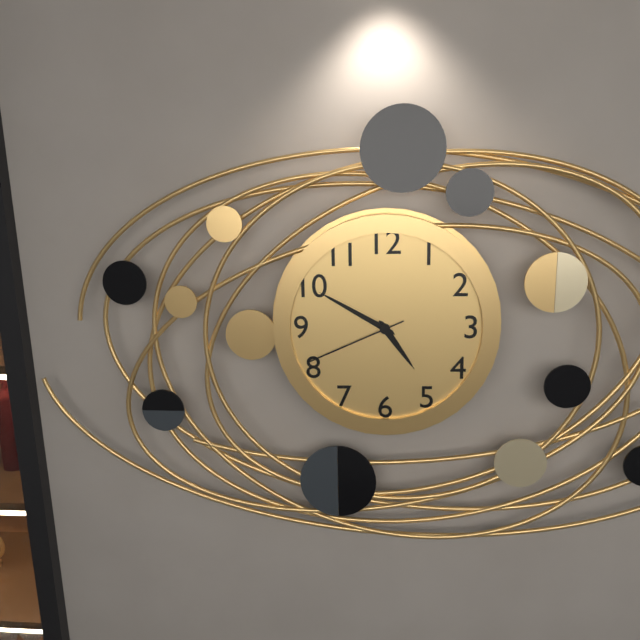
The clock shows 4.50.41
